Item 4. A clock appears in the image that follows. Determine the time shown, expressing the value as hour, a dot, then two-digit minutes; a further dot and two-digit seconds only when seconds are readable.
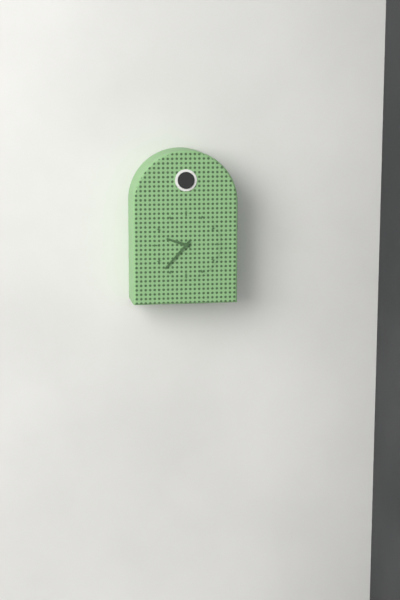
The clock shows 9.37
